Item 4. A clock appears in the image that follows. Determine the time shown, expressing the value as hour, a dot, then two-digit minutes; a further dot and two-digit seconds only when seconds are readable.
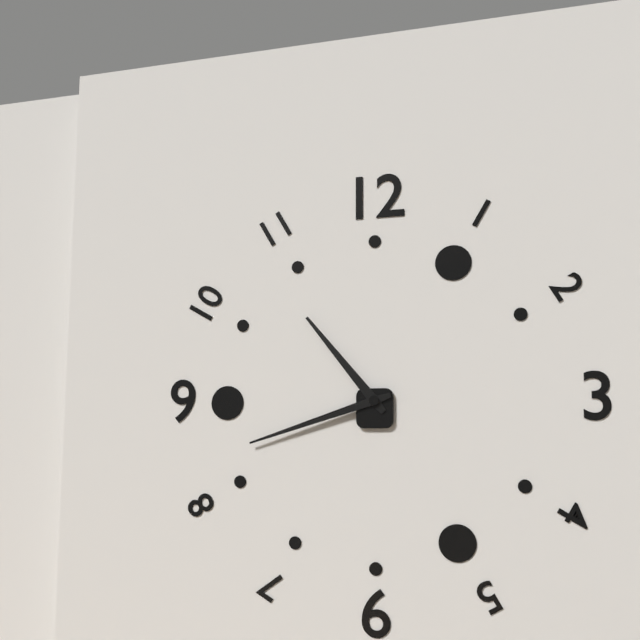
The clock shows 10.42
